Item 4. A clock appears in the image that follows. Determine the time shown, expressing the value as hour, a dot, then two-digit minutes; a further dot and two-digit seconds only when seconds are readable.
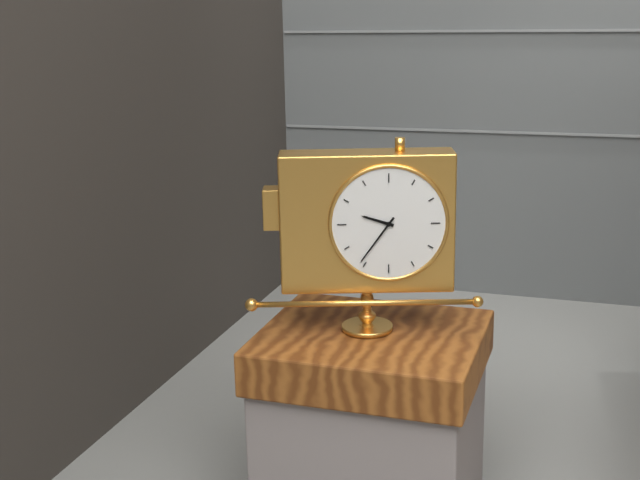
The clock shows 9.36
